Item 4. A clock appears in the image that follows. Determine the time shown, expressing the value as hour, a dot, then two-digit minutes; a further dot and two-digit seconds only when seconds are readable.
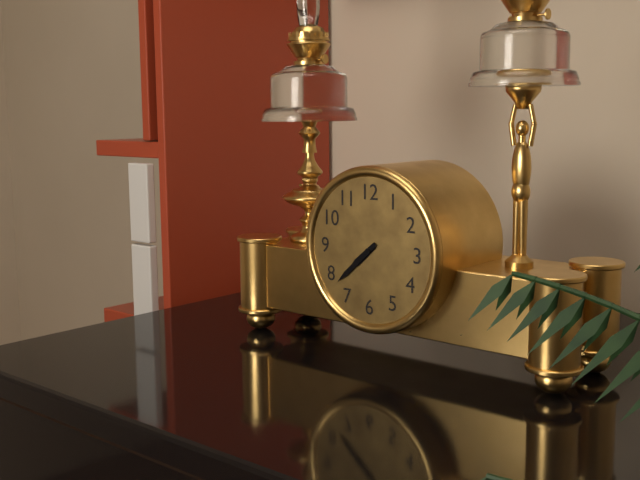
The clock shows 7.38
